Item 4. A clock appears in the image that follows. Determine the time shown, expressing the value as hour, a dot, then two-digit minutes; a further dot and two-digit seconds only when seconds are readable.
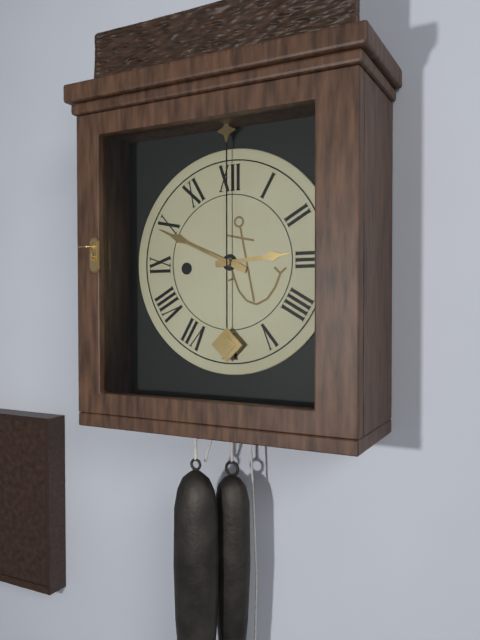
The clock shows 2.49
